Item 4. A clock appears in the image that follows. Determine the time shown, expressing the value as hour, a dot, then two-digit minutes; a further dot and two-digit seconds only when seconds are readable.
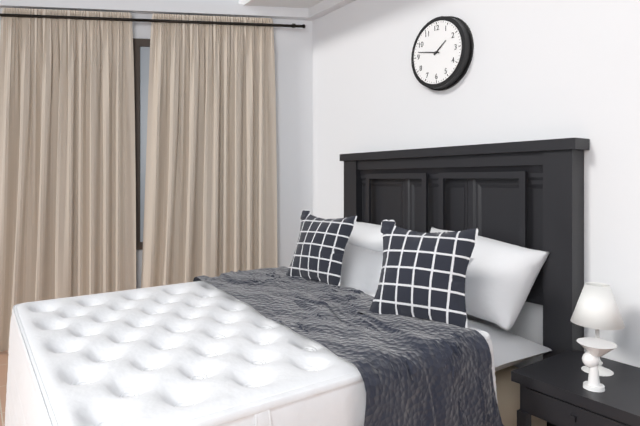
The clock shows 1.47
